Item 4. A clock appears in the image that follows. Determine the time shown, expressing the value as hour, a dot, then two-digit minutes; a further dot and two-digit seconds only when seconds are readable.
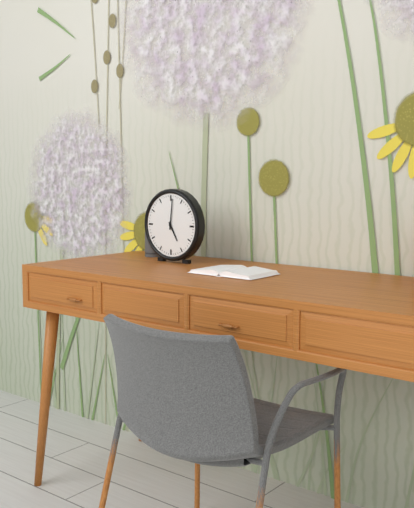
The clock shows 5.01
